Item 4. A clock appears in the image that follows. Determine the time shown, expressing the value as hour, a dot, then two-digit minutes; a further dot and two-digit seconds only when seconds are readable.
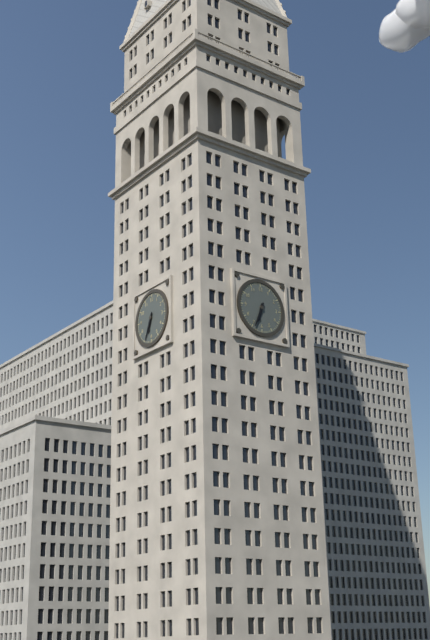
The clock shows 6.34
